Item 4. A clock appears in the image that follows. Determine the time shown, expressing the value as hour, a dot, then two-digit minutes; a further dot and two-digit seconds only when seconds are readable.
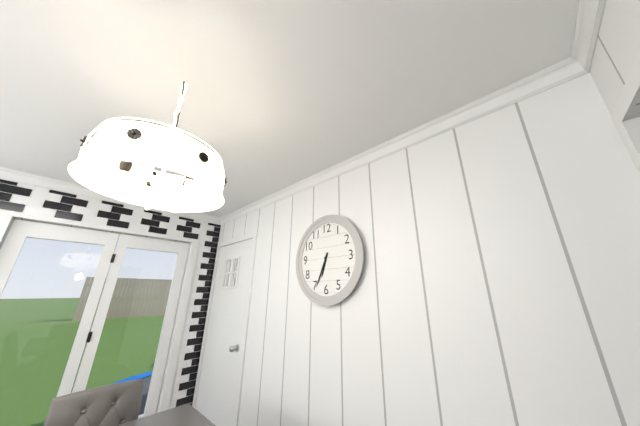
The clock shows 6.34
